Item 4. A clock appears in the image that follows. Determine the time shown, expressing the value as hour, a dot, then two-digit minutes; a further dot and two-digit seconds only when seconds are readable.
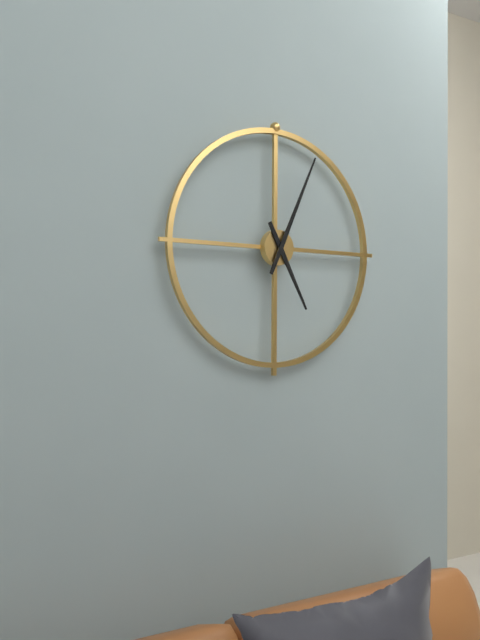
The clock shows 5.04
